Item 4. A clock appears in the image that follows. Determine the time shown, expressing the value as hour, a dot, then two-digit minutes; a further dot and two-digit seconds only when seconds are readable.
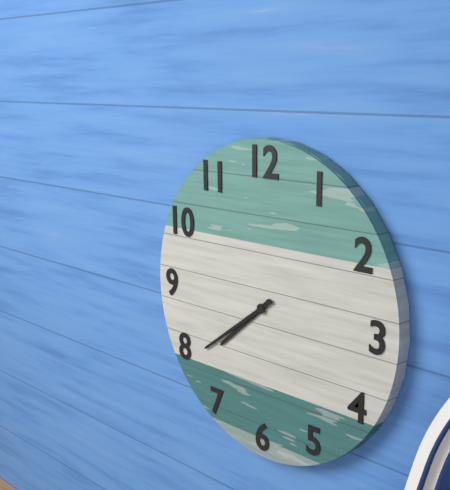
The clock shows 7.39
